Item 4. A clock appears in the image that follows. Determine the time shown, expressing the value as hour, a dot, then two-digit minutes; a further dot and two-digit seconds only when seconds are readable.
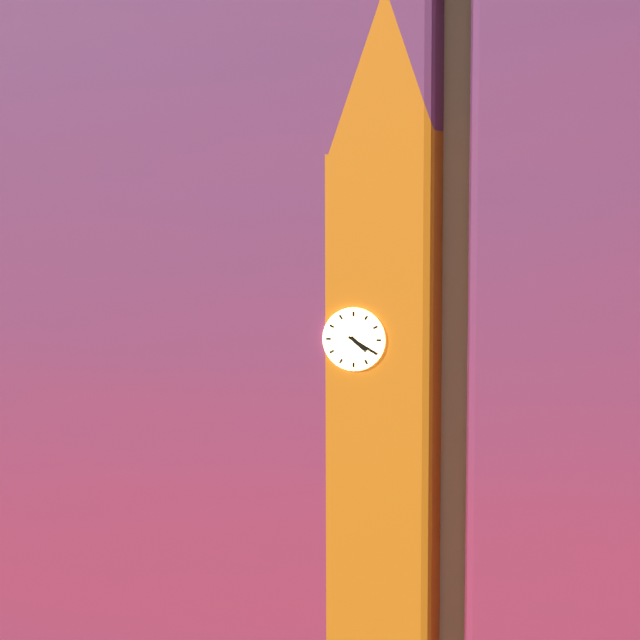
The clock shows 4.20
